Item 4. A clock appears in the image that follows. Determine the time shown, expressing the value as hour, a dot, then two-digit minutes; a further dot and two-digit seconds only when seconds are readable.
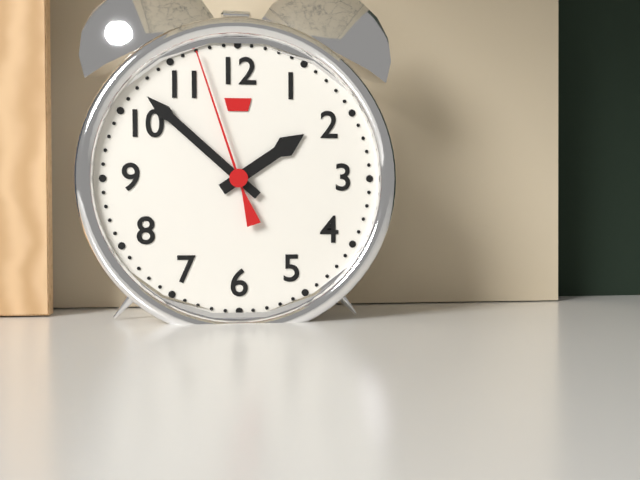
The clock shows 1.52.57
